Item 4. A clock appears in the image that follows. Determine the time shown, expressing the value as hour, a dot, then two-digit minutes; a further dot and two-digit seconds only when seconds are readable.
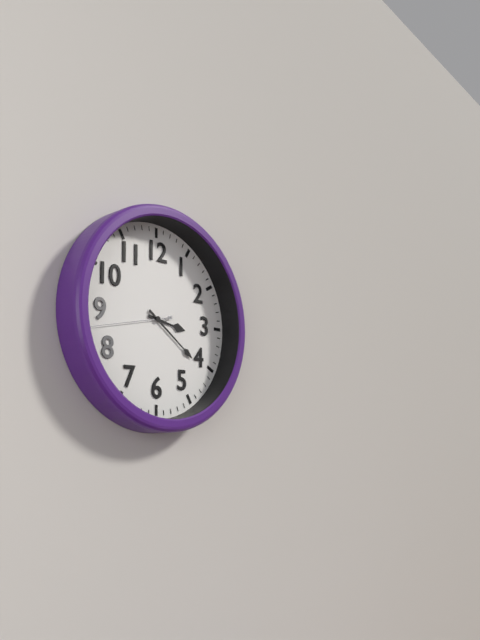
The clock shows 3.21.43
